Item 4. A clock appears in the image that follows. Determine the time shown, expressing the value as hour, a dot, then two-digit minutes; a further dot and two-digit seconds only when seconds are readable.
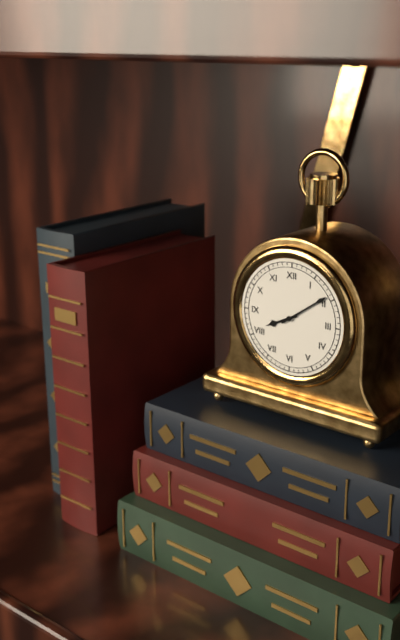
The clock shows 8.09
